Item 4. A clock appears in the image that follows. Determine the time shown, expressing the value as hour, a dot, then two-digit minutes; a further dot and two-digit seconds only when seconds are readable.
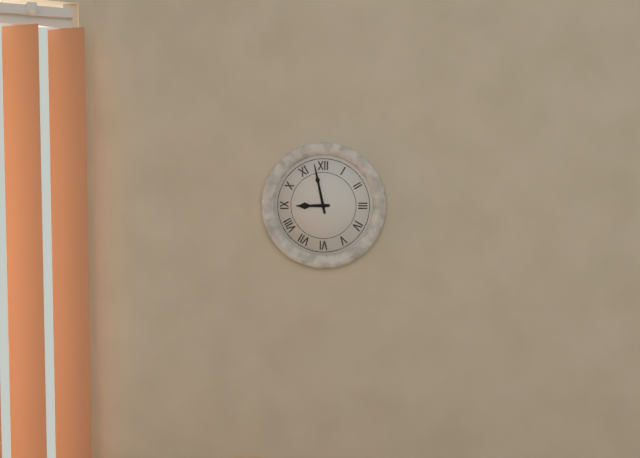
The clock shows 8.58
